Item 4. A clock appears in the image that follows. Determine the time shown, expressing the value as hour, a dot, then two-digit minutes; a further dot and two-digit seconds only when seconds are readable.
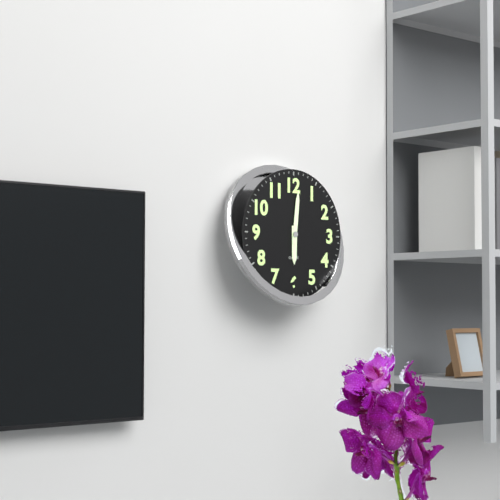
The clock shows 6.01
